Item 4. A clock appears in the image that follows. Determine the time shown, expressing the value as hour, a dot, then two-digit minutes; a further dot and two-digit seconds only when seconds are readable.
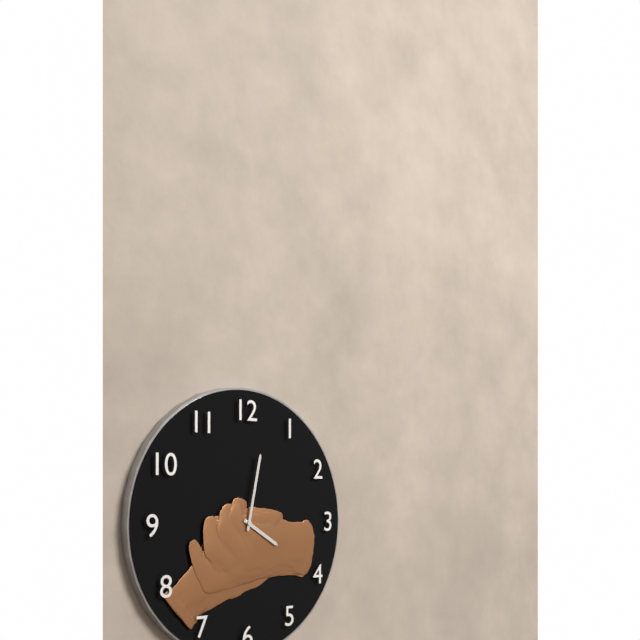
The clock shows 4.02
